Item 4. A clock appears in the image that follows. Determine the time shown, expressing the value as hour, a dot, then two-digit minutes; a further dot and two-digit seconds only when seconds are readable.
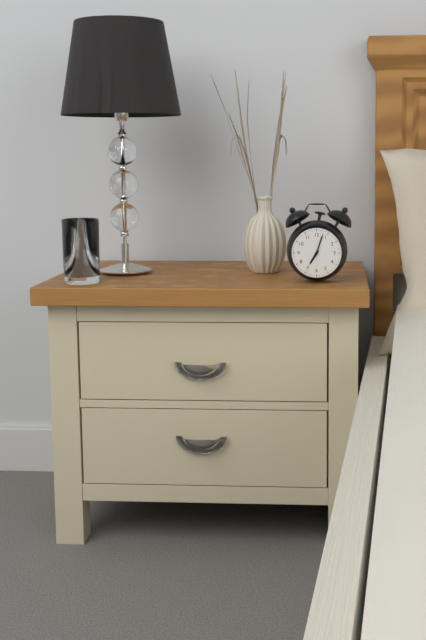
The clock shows 7.03
